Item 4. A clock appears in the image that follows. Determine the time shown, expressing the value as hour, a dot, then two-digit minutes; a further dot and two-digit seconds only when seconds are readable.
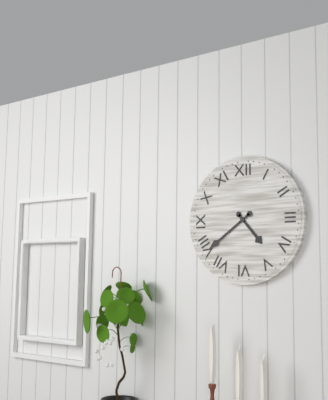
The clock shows 4.39
